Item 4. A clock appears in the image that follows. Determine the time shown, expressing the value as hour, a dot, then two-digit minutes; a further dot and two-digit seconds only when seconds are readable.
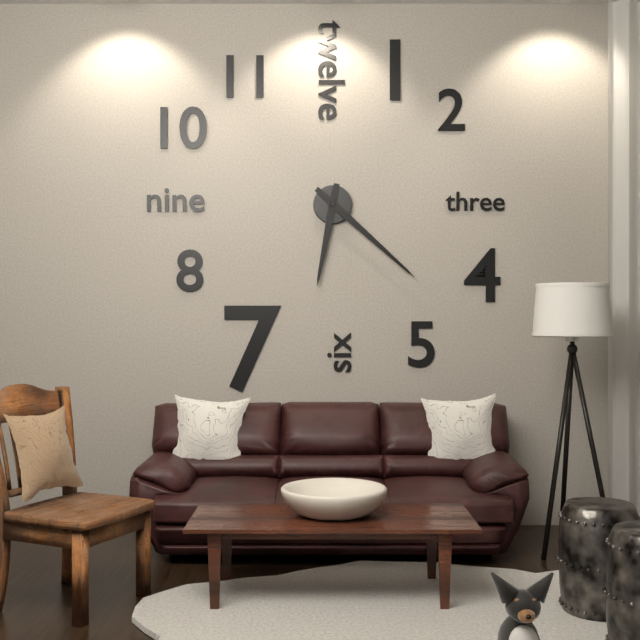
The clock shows 6.22
